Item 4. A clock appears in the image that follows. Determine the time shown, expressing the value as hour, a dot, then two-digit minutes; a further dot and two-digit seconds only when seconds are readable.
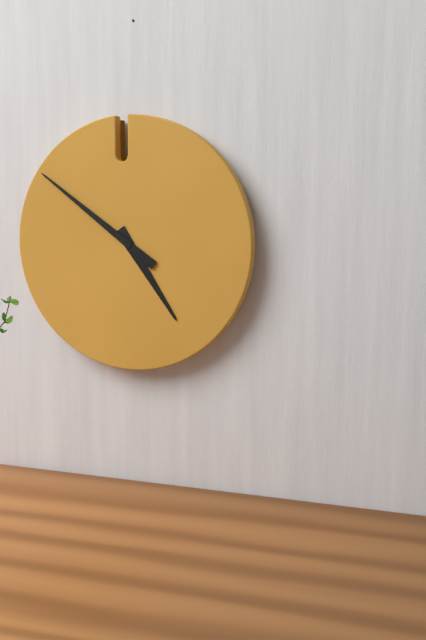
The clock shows 4.51
